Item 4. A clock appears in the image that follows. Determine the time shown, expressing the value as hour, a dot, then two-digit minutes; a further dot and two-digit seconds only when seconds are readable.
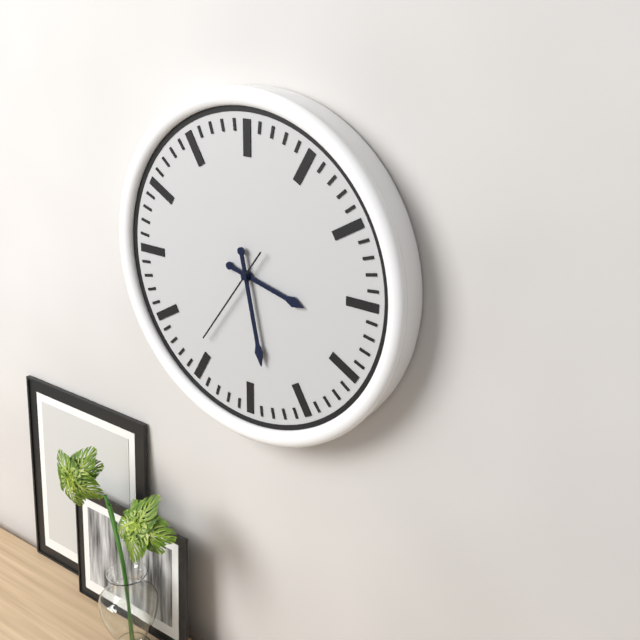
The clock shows 3.28.36
